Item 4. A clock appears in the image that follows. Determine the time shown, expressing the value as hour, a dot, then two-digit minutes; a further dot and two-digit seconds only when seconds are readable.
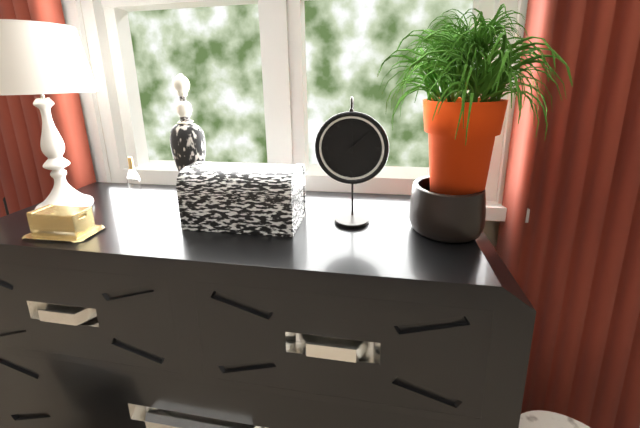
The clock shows 12.08
